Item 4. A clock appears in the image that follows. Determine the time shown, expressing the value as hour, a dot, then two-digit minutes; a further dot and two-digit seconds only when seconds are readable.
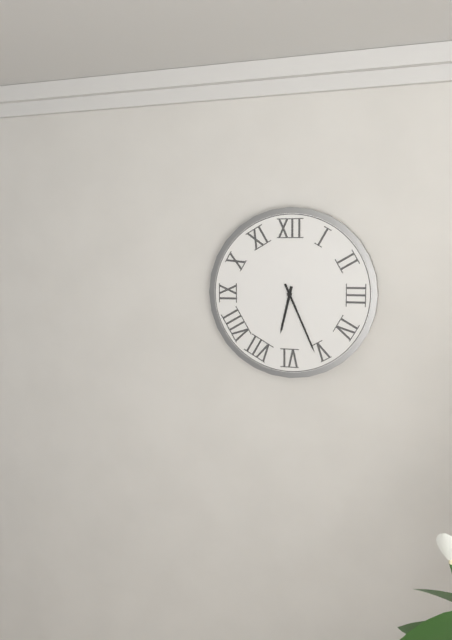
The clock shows 6.26
